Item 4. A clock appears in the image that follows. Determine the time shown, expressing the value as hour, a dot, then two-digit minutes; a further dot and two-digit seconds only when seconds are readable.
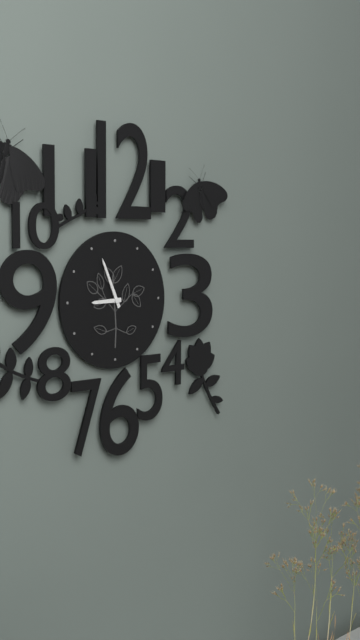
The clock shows 8.56
